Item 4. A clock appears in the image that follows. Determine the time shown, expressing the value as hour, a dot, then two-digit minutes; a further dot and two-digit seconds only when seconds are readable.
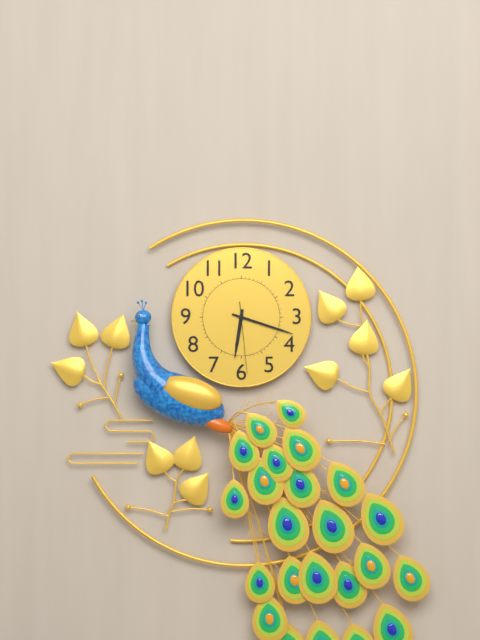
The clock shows 6.18.29
